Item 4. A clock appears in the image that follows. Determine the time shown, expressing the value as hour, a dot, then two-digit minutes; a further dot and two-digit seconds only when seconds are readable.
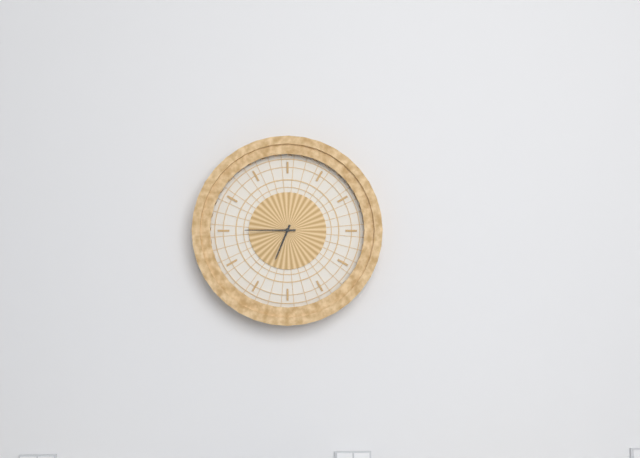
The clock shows 6.45
